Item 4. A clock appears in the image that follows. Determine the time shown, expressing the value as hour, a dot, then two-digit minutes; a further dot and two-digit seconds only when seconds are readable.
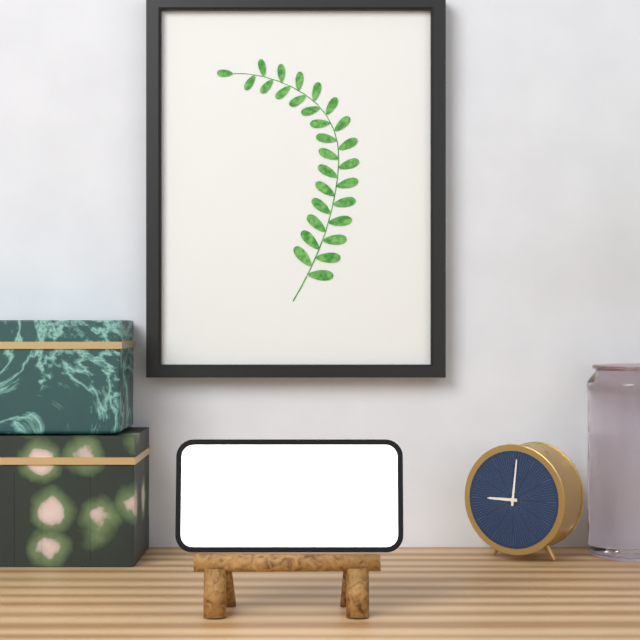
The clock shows 9.01
